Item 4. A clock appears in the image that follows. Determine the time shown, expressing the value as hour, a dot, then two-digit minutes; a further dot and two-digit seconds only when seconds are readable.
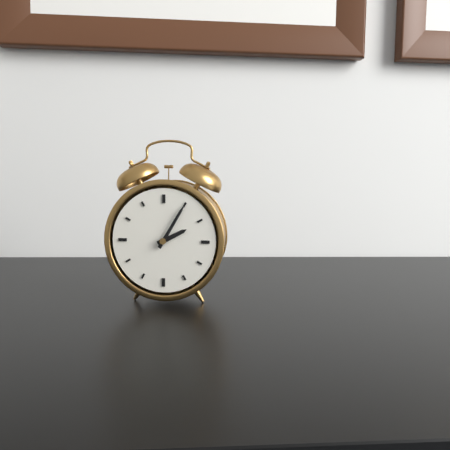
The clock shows 2.05
